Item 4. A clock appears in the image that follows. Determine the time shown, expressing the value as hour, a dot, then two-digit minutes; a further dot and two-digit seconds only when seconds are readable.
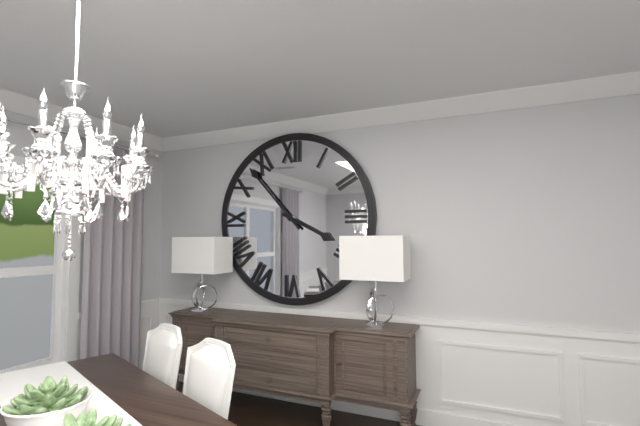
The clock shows 3.53
